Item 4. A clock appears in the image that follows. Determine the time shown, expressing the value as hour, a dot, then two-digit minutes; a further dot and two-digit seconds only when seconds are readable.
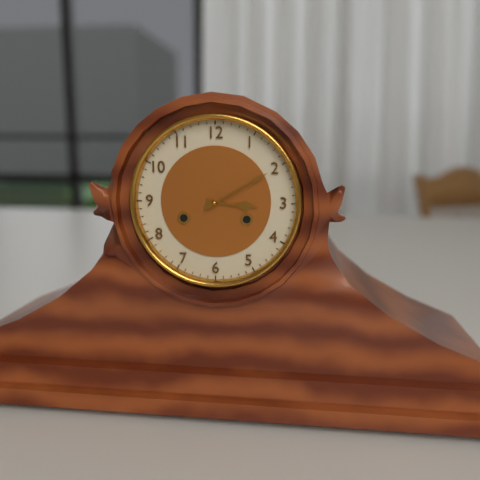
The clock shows 3.10
